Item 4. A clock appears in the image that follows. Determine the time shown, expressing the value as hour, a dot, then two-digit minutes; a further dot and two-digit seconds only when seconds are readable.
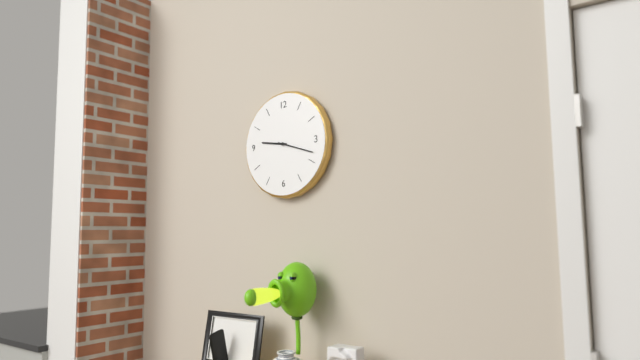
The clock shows 9.18
